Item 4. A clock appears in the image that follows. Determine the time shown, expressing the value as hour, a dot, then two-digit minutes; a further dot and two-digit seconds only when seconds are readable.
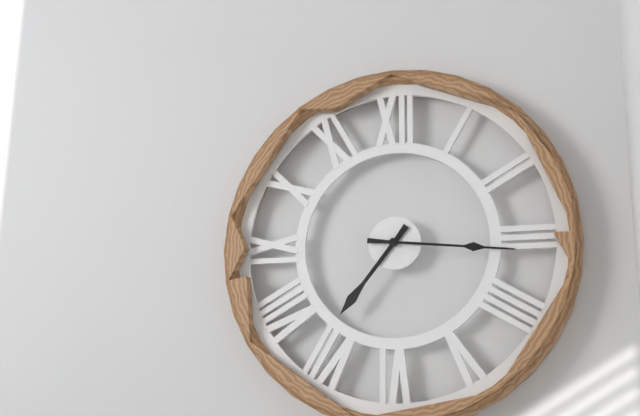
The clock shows 7.16
